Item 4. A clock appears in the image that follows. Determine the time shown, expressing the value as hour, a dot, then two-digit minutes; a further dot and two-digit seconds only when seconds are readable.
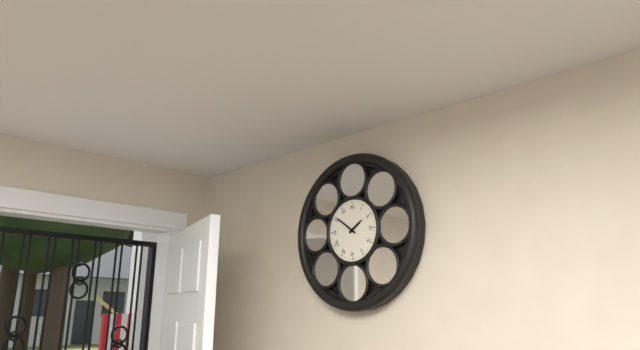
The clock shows 1.51
